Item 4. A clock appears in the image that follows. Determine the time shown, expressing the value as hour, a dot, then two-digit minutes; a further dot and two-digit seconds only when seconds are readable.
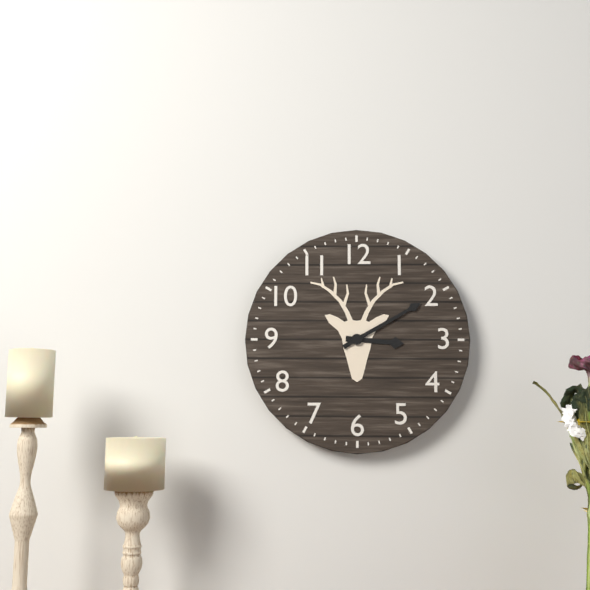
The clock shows 3.10
